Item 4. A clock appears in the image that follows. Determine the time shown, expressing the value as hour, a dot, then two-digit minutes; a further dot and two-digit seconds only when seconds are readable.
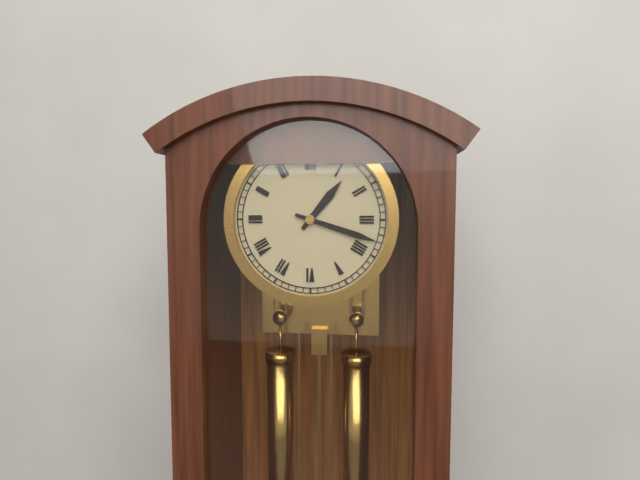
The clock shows 1.18
